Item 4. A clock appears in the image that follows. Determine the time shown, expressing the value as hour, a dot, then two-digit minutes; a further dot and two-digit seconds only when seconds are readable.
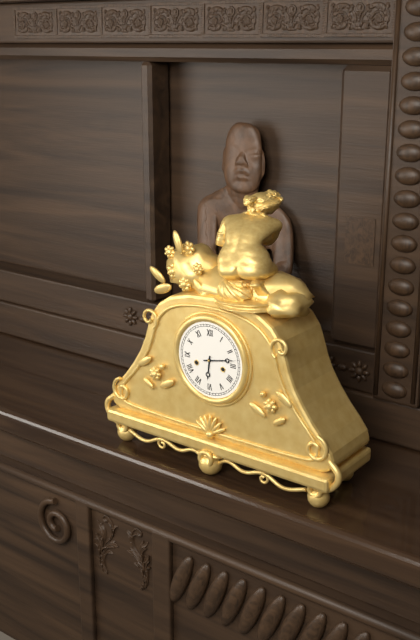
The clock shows 6.13
